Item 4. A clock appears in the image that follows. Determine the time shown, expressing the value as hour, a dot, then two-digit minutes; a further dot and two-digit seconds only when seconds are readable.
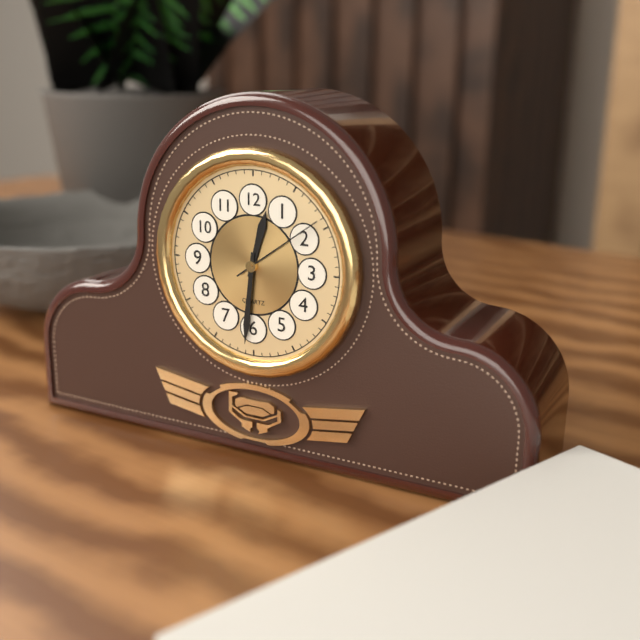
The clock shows 12.31.09
